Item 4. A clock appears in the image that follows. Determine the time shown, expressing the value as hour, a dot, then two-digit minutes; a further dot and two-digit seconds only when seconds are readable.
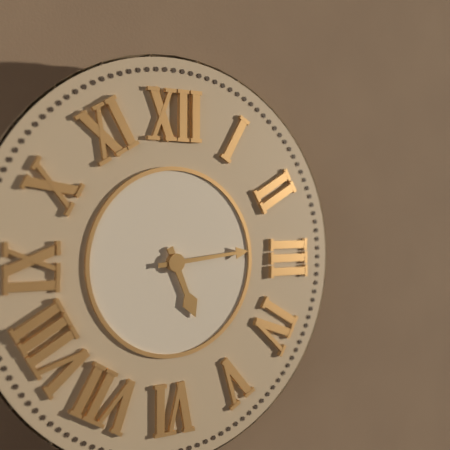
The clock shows 5.14
